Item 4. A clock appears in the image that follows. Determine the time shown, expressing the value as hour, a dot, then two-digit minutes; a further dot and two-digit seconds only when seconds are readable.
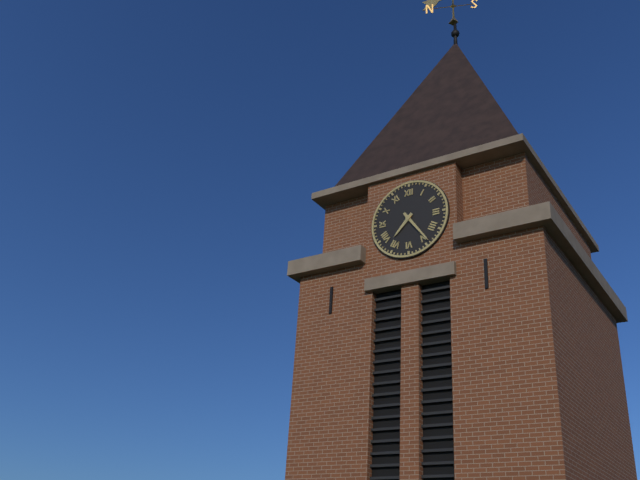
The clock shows 7.24
